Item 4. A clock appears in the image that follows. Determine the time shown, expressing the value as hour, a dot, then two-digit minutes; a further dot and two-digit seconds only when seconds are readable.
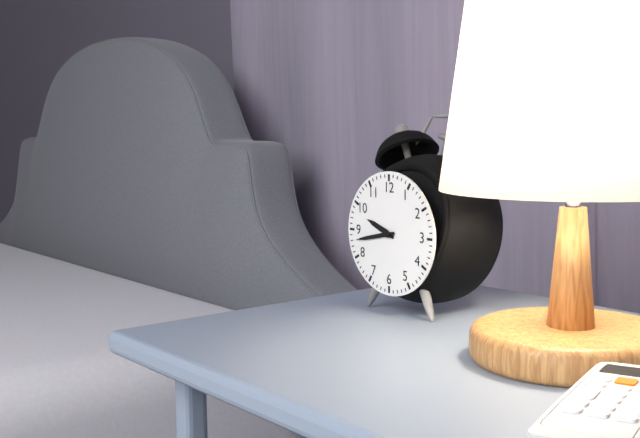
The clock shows 9.43
